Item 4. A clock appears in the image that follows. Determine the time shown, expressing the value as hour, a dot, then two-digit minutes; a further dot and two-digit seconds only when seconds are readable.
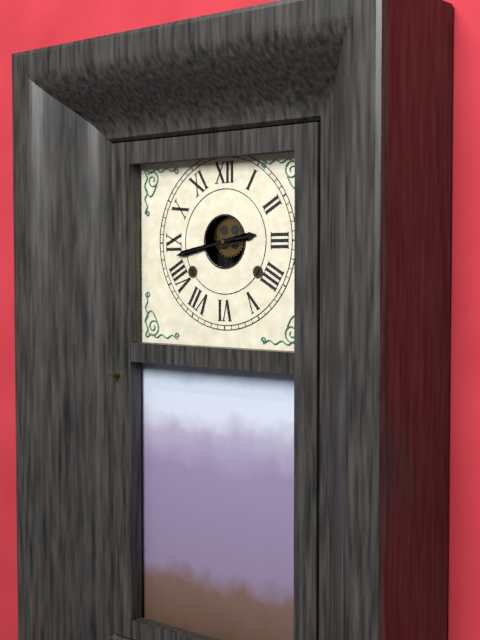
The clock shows 2.43
